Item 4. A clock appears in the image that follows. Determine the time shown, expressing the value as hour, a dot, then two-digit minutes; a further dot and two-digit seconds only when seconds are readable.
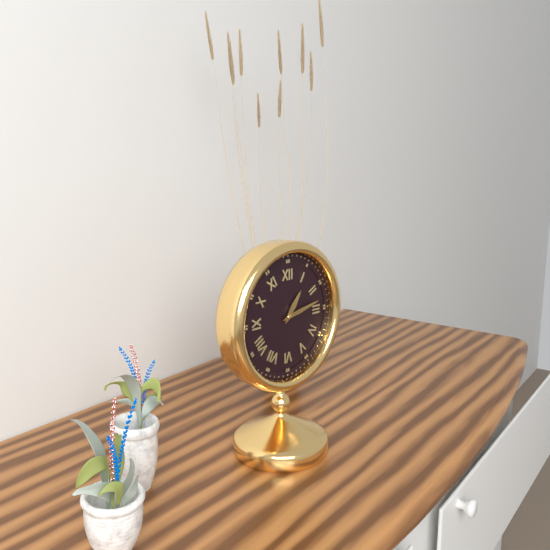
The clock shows 1.13
